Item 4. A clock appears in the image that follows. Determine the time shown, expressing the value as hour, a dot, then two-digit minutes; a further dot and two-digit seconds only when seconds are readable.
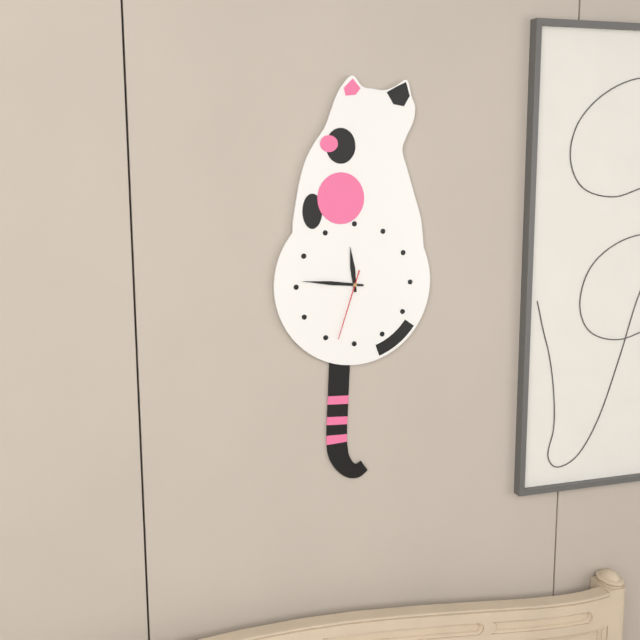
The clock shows 11.46.33
